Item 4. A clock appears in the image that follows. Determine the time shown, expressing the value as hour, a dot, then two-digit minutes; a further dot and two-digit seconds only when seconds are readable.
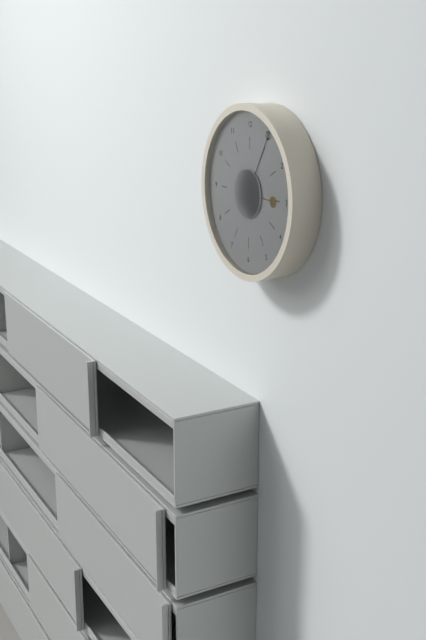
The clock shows 3.05
